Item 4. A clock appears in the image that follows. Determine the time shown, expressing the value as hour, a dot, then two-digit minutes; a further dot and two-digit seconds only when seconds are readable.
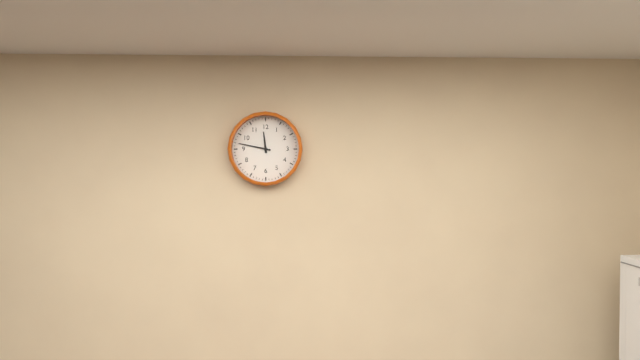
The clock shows 11.47
